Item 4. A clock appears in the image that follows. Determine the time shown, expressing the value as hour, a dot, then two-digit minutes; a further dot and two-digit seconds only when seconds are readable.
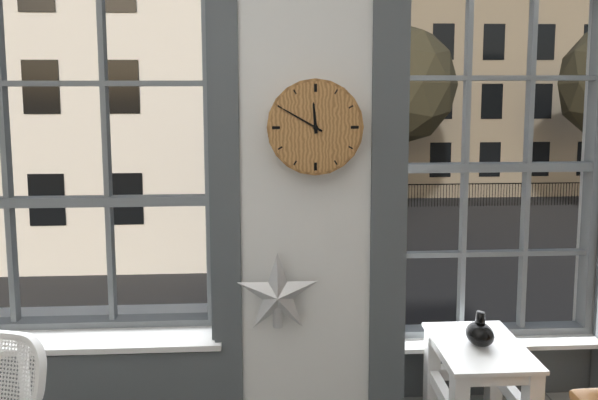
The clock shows 11.50
